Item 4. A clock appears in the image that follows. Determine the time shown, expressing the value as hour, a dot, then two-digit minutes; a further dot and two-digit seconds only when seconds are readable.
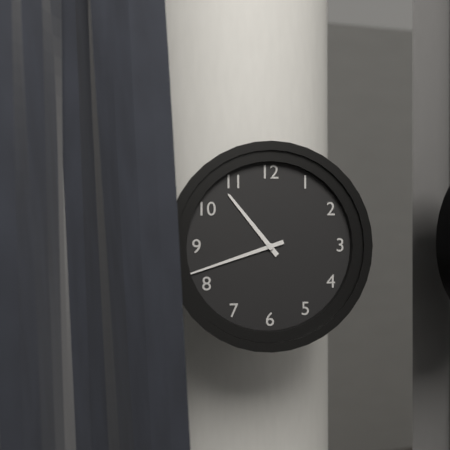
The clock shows 10.42
